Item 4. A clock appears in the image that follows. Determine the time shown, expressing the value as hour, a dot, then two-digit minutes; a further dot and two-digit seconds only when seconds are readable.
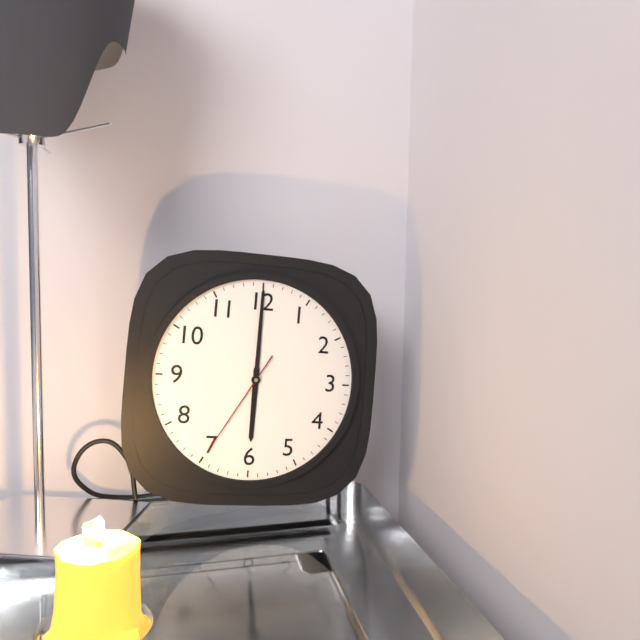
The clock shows 6.00.35
